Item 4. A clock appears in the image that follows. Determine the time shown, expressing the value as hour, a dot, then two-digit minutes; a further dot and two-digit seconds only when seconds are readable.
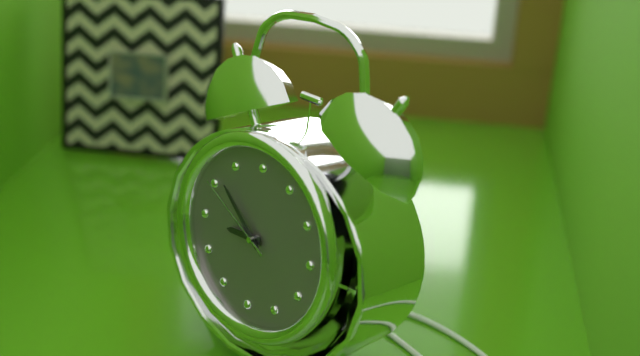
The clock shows 8.52.50
